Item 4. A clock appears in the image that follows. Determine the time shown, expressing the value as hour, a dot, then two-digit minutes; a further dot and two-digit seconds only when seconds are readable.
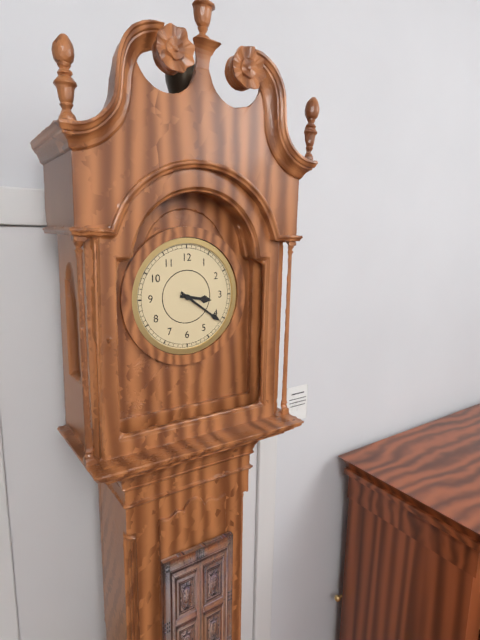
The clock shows 3.21
